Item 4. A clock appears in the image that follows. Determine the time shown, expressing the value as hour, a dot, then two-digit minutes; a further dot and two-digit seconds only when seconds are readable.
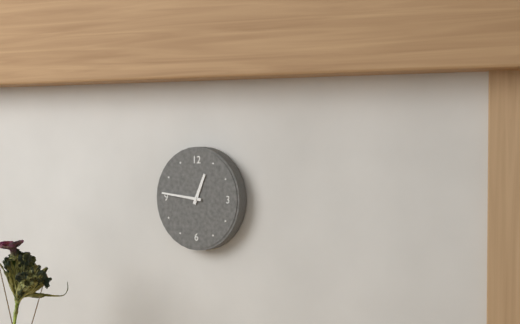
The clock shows 12.46
